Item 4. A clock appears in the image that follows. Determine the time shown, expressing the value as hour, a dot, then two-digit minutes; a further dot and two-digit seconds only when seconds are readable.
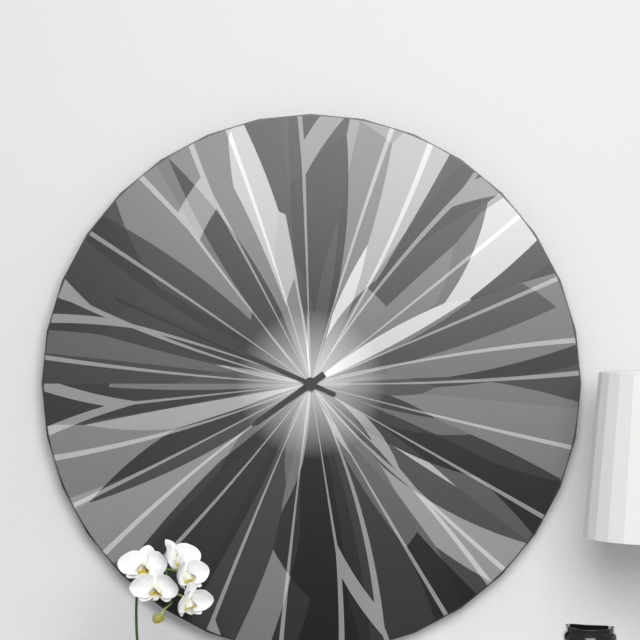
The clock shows 7.49
